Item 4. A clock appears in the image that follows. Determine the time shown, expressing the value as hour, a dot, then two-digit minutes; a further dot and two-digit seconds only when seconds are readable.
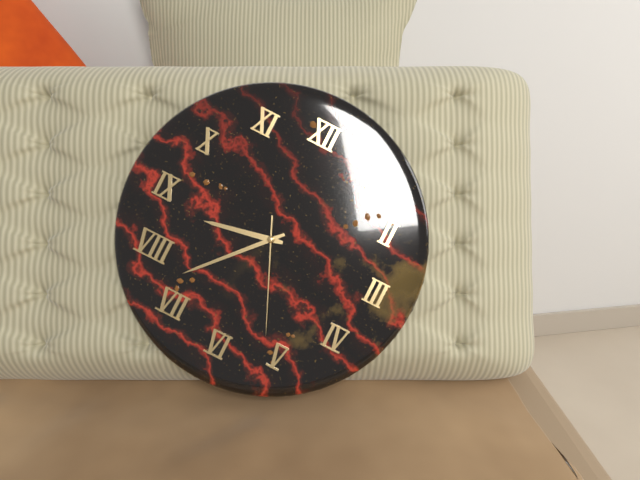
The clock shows 8.37.26
